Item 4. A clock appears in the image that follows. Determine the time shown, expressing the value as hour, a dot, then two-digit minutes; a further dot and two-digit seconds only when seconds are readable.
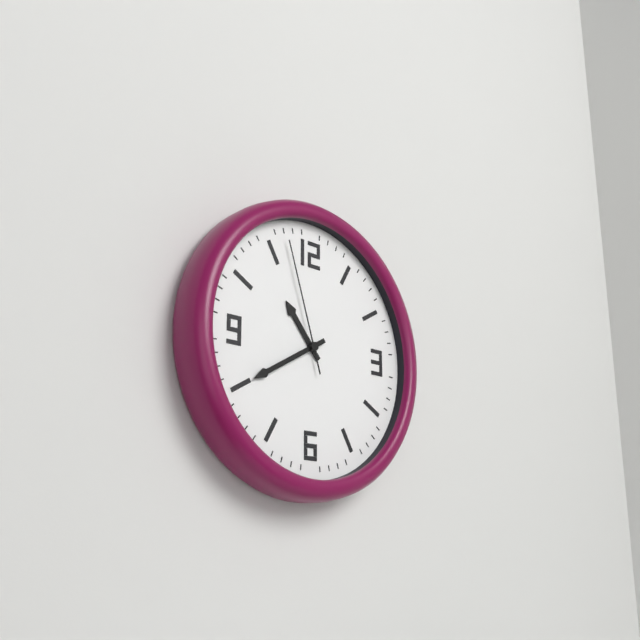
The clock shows 10.40.57
